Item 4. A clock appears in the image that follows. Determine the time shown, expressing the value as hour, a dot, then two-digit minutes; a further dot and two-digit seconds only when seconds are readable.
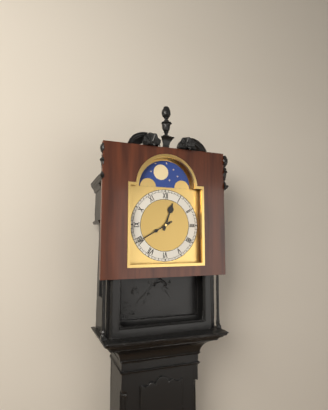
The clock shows 12.40
